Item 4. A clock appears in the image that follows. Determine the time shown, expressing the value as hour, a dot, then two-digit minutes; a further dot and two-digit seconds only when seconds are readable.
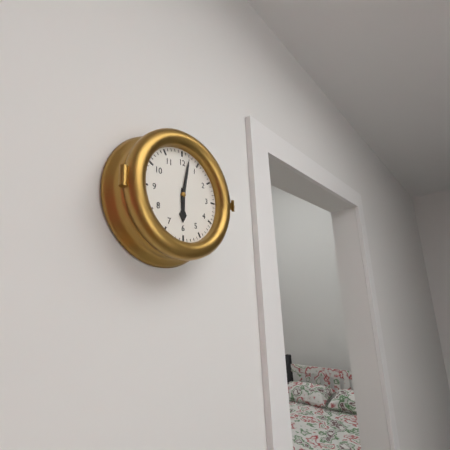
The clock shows 6.02
